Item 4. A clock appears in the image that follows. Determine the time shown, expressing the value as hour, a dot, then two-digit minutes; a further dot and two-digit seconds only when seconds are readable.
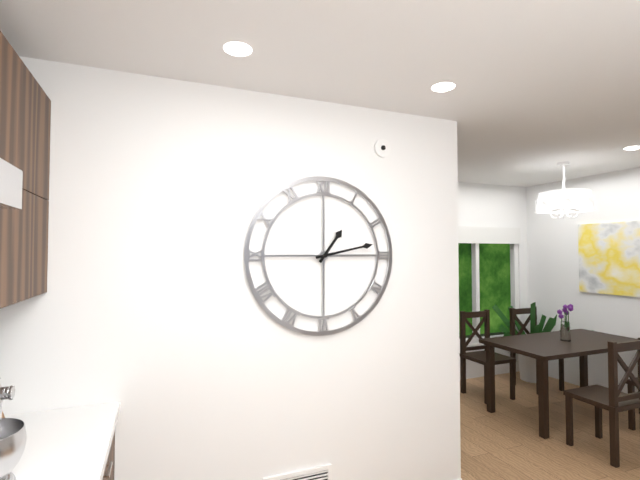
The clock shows 1.13
